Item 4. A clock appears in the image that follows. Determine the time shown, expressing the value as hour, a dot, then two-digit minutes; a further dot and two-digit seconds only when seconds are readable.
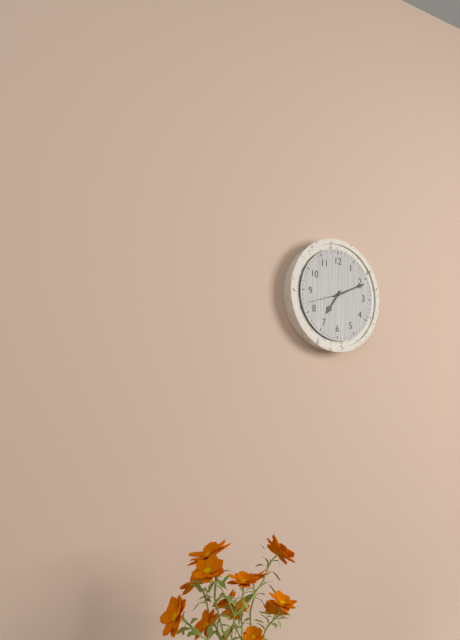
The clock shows 7.11
